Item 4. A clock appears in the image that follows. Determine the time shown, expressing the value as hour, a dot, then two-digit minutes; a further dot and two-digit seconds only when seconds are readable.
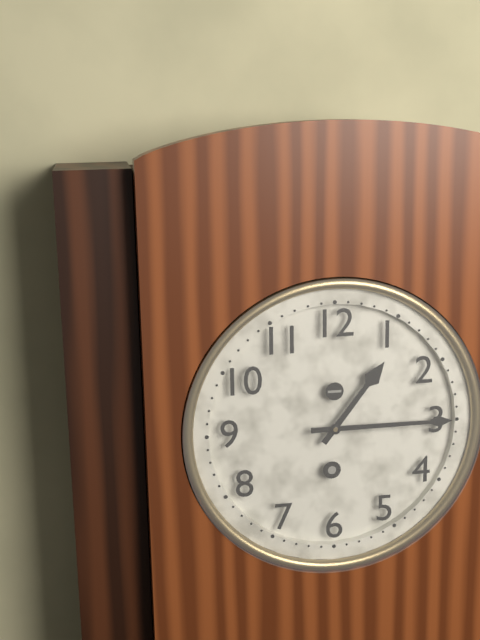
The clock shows 1.15
